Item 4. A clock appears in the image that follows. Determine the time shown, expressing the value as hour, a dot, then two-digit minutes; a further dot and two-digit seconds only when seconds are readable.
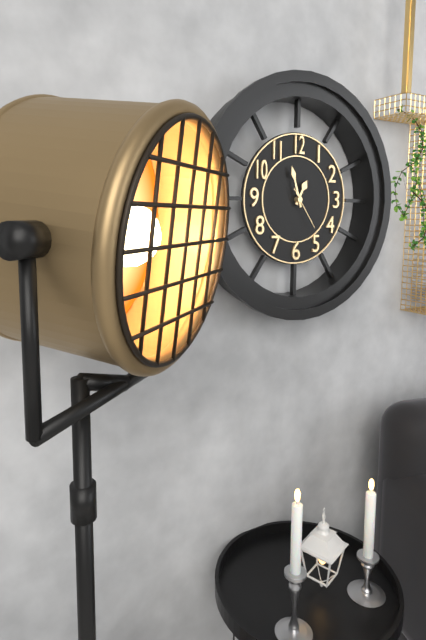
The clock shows 12.57
